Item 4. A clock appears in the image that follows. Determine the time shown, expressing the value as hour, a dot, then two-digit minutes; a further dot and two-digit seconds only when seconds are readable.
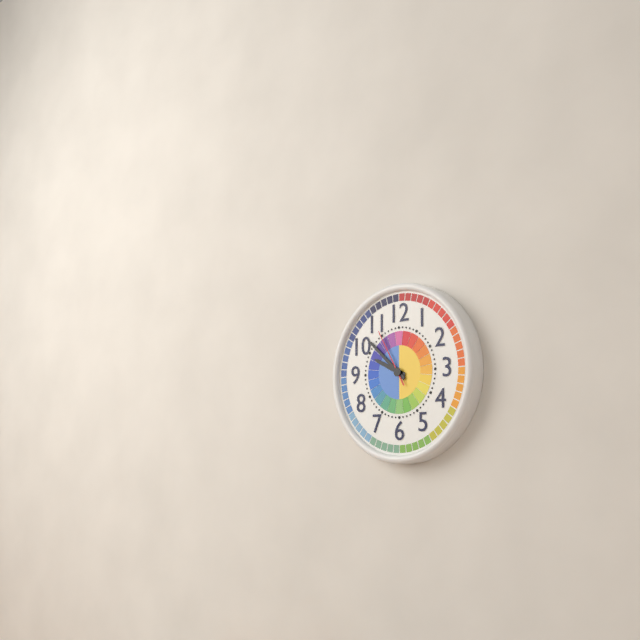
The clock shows 9.52.55
